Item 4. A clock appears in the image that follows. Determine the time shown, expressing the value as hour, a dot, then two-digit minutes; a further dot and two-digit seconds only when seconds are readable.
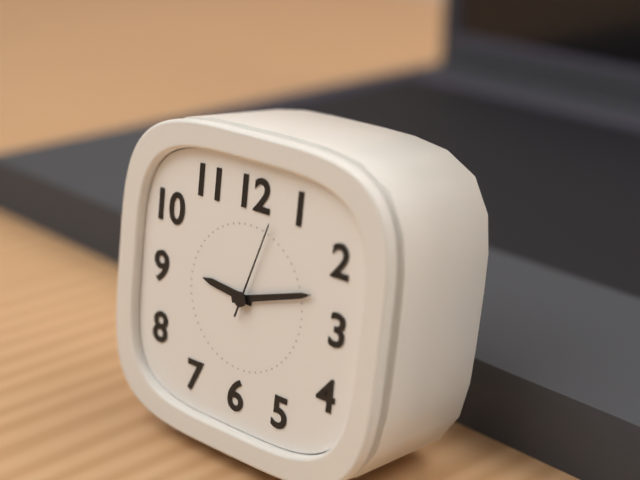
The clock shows 9.12.03
